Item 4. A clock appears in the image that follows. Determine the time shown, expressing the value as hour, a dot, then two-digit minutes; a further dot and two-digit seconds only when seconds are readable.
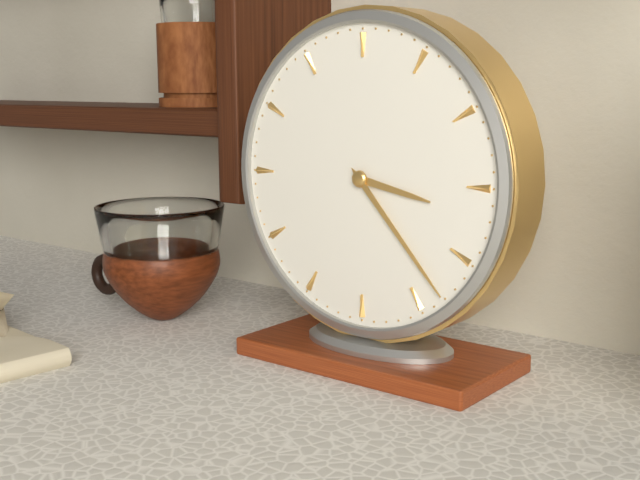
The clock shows 3.23
